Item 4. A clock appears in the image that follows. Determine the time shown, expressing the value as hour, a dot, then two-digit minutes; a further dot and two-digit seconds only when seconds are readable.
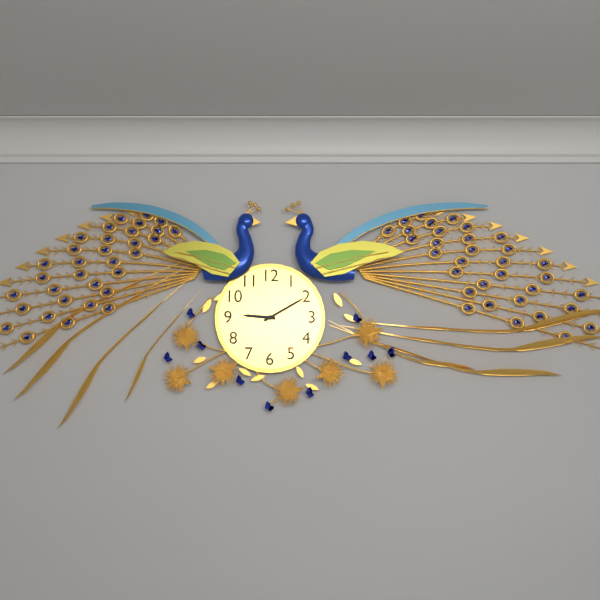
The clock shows 9.10
